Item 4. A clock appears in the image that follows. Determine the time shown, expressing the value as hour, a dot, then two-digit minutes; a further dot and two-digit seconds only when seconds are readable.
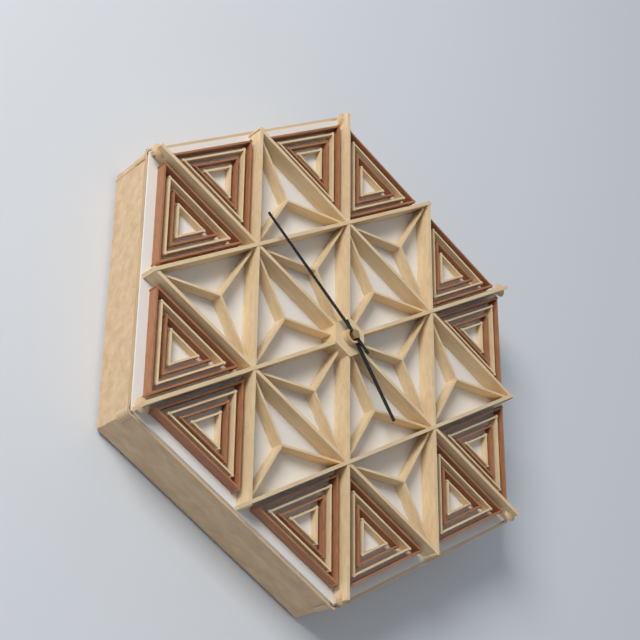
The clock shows 4.52
